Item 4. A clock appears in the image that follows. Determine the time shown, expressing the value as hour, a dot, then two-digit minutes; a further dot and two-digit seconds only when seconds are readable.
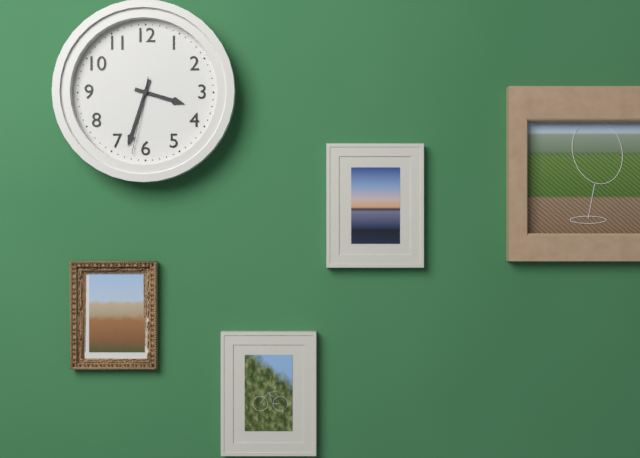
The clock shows 3.33.32
